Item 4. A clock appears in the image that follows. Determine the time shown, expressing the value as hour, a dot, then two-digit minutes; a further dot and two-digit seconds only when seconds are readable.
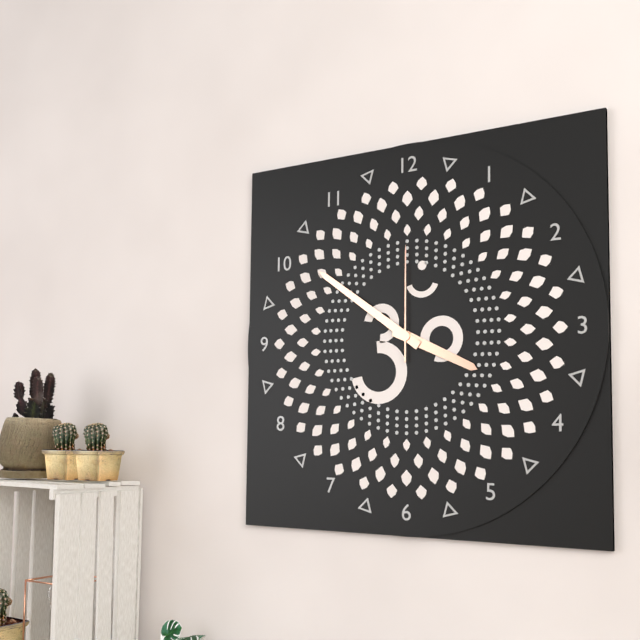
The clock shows 3.51.00
